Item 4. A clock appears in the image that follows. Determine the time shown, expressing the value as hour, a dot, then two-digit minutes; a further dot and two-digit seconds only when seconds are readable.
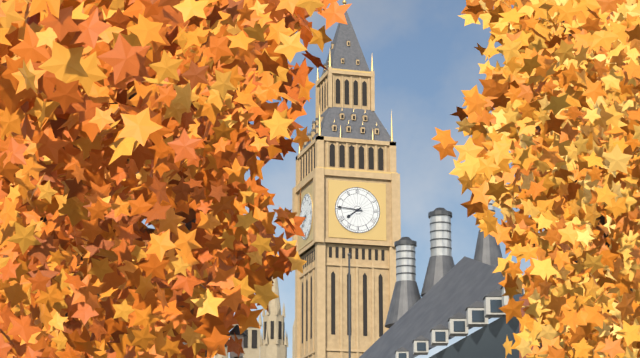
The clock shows 7.46
